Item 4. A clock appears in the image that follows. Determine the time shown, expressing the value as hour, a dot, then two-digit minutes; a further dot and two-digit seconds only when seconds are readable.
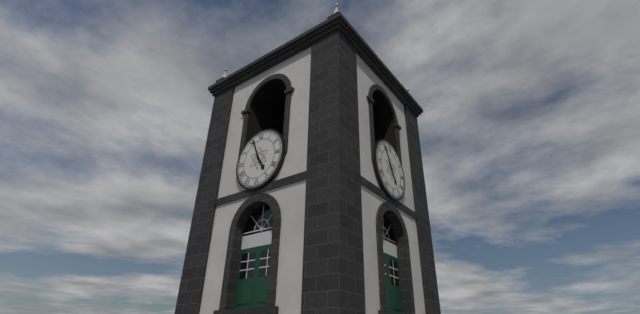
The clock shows 4.56
